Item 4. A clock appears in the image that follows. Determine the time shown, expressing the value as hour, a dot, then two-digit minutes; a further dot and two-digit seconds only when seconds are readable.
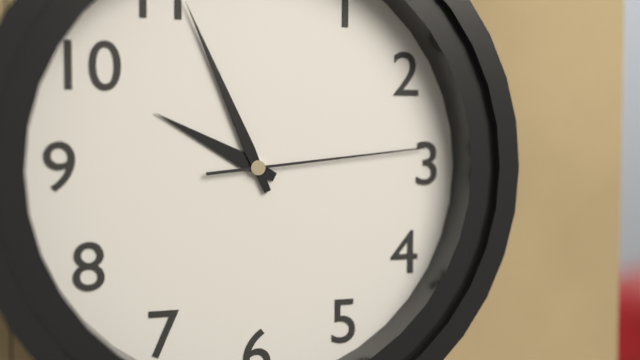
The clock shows 9.56.14
